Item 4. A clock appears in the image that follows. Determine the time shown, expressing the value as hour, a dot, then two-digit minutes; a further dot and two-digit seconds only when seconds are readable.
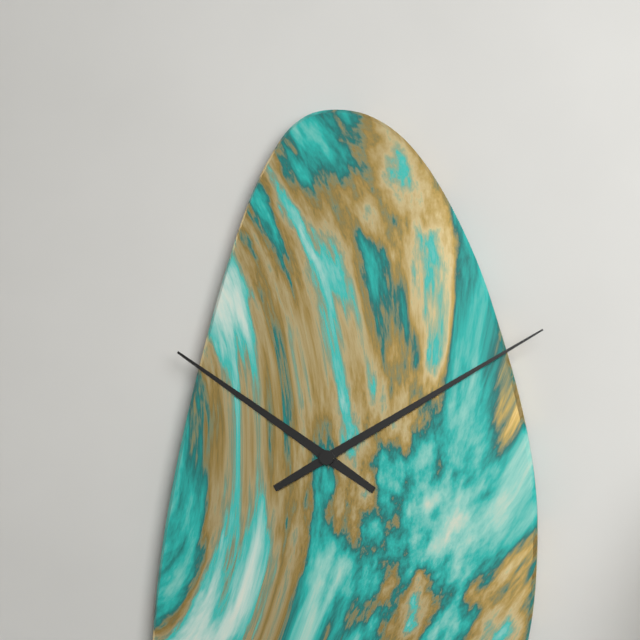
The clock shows 10.10
